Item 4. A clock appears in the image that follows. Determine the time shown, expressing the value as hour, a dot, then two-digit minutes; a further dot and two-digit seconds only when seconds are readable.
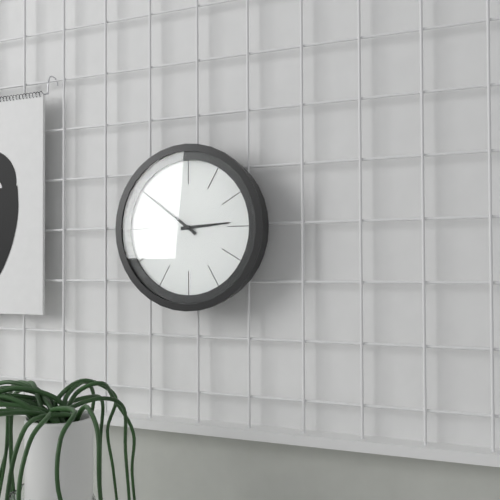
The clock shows 2.51
